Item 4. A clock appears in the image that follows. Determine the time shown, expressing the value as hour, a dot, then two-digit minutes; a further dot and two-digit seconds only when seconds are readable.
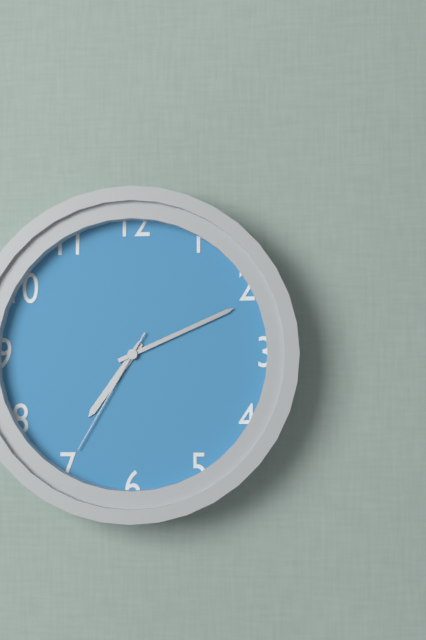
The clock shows 7.11.35
